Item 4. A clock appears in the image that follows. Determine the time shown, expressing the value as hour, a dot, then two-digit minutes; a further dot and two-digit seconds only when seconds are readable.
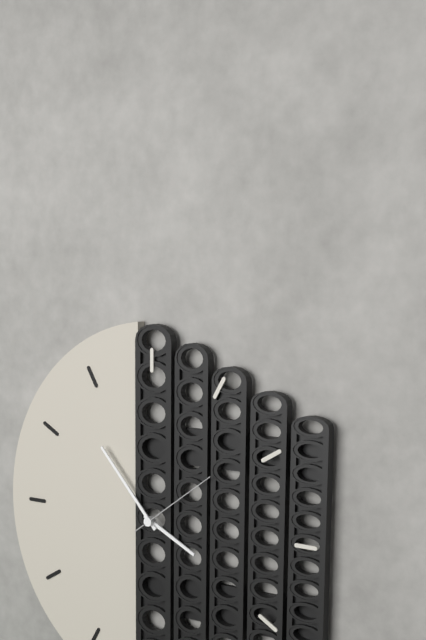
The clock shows 3.53.09
